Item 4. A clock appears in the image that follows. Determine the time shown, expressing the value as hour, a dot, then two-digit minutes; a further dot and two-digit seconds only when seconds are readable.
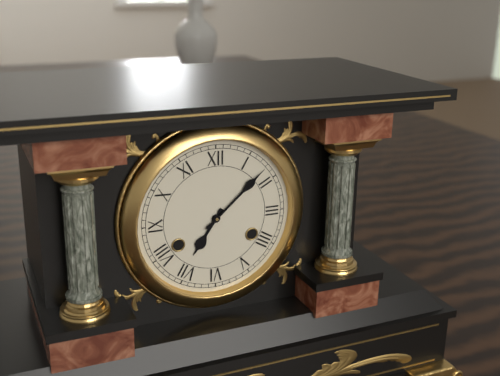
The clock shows 7.08
